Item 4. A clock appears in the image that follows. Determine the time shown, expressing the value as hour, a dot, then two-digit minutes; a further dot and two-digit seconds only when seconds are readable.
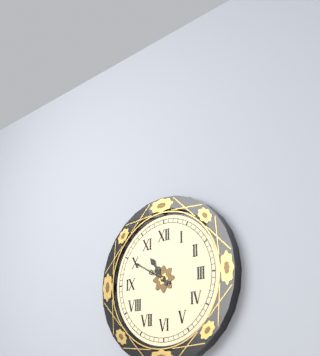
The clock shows 10.50
